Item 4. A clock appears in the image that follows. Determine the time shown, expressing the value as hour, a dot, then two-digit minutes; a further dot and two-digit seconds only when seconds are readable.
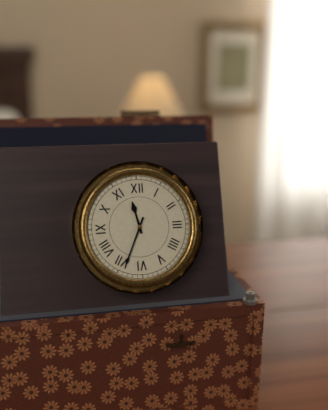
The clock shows 11.34
